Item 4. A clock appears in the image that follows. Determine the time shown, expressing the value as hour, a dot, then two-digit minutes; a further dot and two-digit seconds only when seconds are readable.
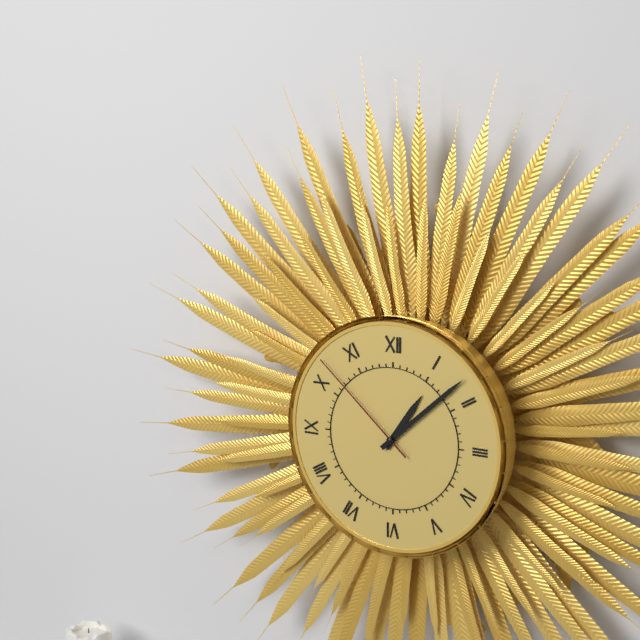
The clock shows 1.08.52
